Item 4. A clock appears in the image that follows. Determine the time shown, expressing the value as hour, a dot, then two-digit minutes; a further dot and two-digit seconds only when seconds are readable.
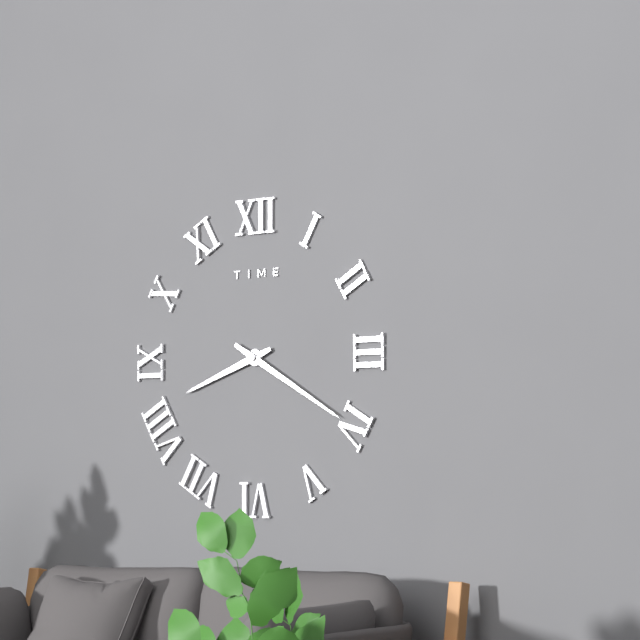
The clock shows 8.20
